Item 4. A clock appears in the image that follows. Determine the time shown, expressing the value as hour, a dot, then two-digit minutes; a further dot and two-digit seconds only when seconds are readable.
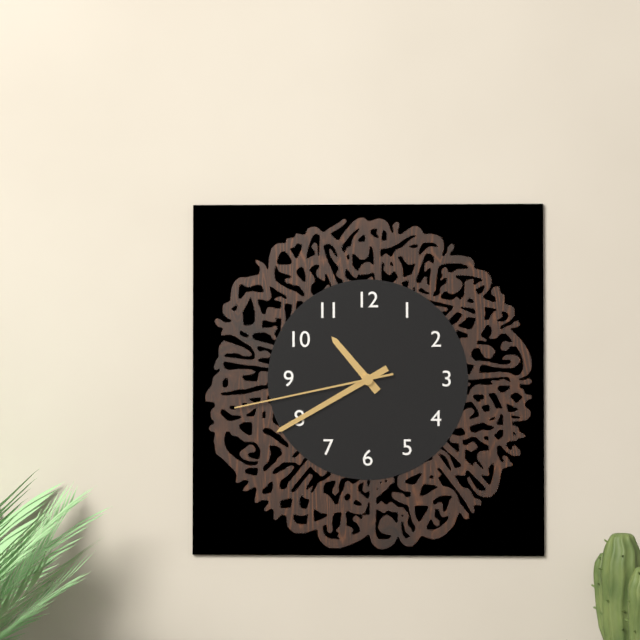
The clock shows 10.40.43
